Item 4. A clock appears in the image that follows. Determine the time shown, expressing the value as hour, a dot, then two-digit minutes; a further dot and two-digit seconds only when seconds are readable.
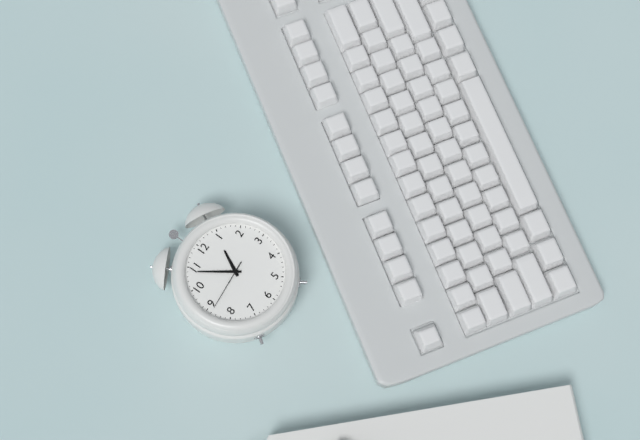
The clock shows 12.54.44
